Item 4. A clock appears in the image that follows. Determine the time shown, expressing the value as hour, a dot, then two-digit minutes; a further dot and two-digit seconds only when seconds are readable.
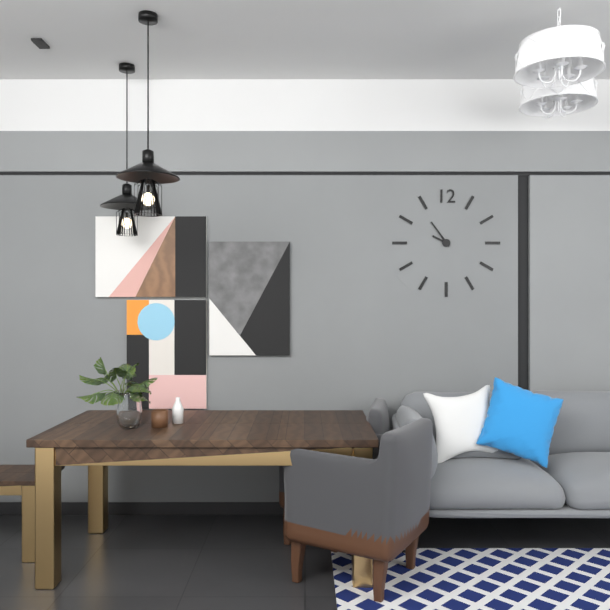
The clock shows 9.54
